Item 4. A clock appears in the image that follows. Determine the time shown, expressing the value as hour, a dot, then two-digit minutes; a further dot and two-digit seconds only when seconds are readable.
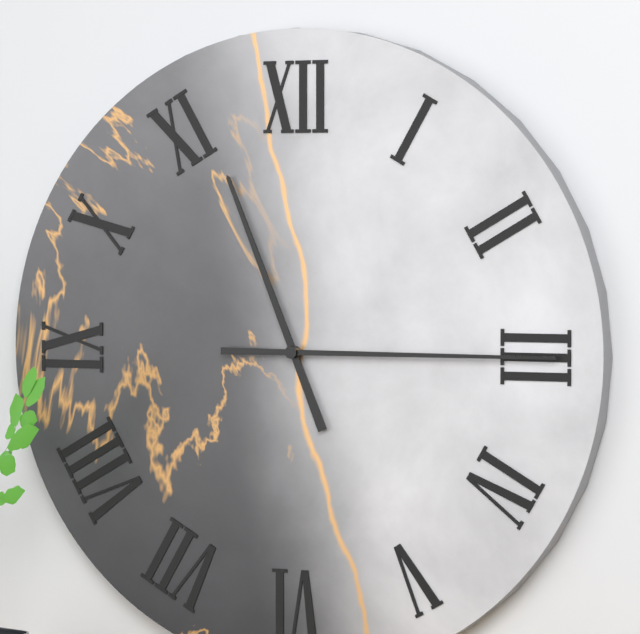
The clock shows 11.15
